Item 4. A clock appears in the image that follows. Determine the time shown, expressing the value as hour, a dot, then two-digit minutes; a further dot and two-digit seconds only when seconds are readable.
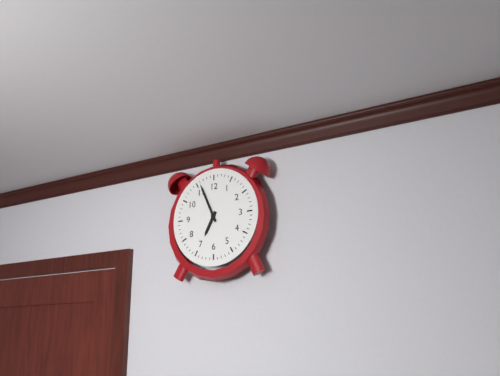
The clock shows 6.56
